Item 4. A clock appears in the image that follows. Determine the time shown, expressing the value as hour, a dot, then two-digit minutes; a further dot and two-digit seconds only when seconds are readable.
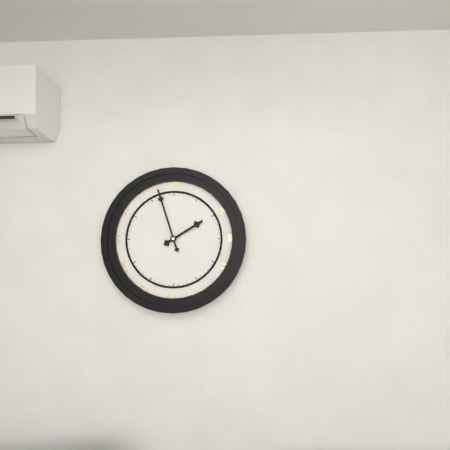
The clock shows 1.57
